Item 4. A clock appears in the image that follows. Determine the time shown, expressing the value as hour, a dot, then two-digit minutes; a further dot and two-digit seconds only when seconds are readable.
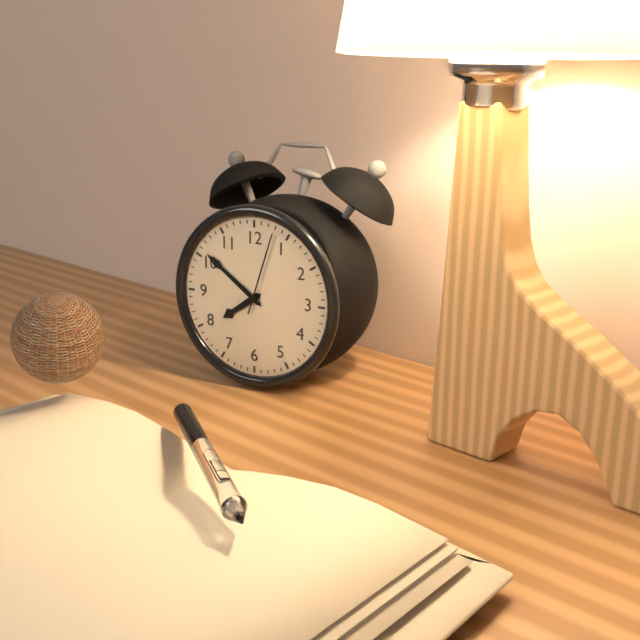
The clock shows 7.51.03
